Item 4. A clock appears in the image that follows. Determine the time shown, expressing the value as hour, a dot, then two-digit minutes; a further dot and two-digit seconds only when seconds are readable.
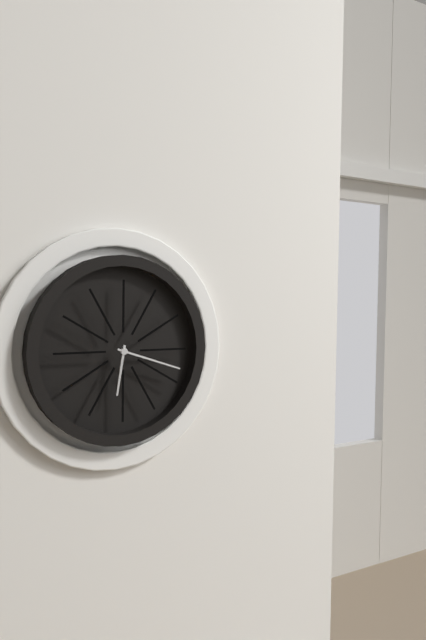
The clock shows 6.18
